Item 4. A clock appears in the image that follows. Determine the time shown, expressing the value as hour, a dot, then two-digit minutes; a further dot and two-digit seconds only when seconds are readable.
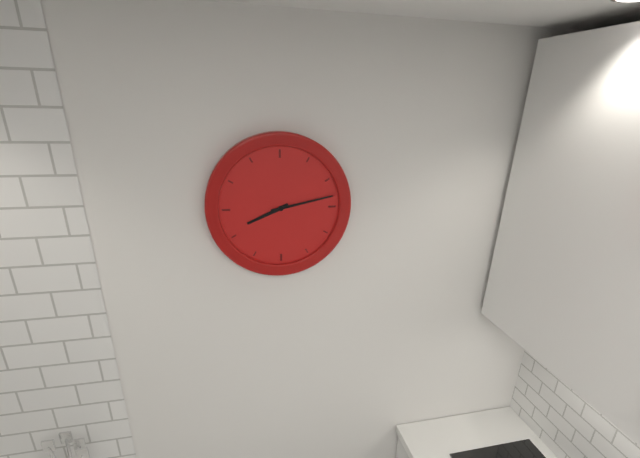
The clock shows 8.13
